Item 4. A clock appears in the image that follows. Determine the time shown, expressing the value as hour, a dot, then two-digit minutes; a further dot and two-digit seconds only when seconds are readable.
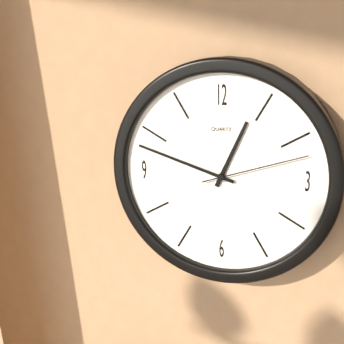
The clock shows 12.48.12
